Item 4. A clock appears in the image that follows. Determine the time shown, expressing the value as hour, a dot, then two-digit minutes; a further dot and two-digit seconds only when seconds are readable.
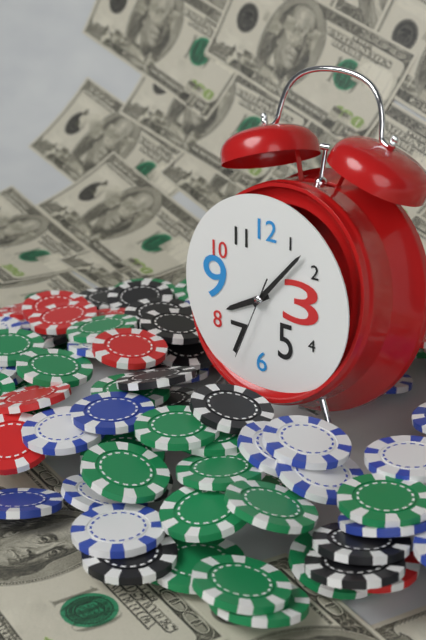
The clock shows 8.07.34
